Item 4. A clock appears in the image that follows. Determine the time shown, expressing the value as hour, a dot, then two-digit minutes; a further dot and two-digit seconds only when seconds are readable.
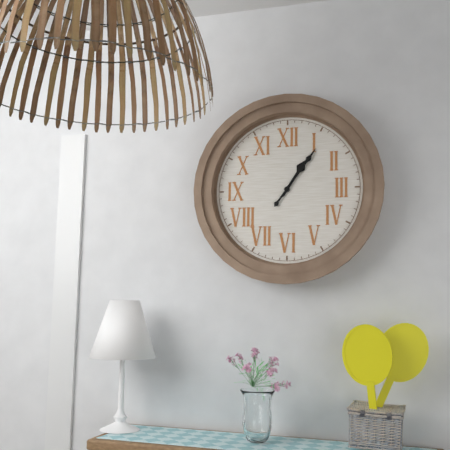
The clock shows 1.06
